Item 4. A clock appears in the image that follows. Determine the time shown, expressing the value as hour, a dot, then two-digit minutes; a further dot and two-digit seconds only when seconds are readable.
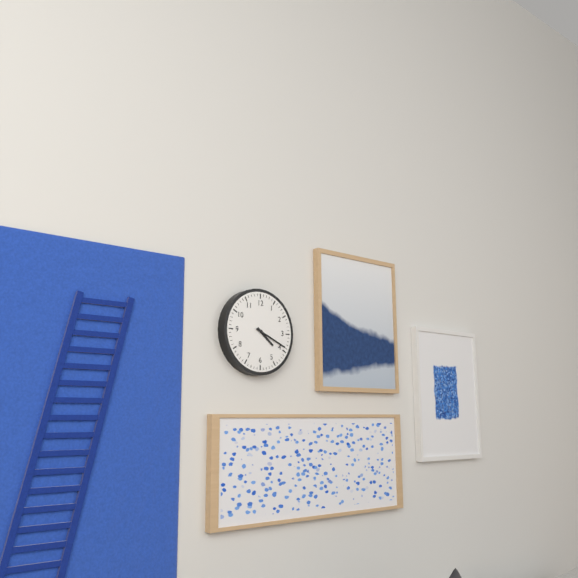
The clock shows 4.19
